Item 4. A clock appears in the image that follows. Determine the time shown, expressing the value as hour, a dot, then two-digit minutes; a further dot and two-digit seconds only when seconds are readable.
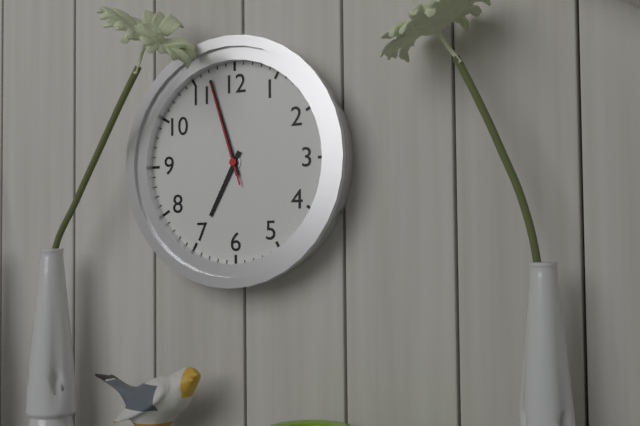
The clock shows 6.57.57
